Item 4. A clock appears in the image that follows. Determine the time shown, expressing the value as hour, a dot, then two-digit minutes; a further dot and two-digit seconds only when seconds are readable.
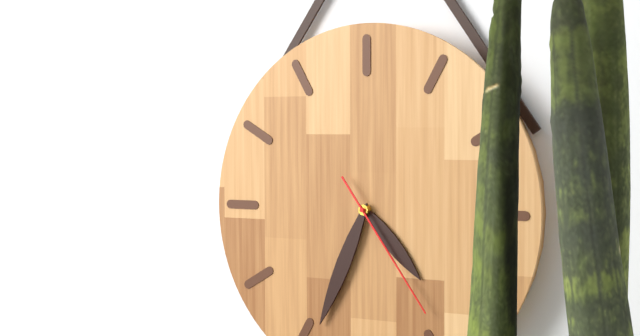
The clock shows 4.34.24
